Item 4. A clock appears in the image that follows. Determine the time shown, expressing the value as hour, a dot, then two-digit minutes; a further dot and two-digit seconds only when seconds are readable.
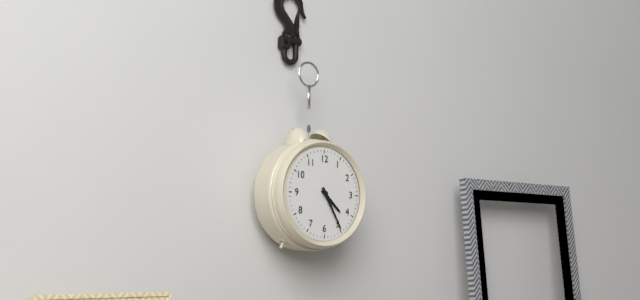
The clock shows 4.25
